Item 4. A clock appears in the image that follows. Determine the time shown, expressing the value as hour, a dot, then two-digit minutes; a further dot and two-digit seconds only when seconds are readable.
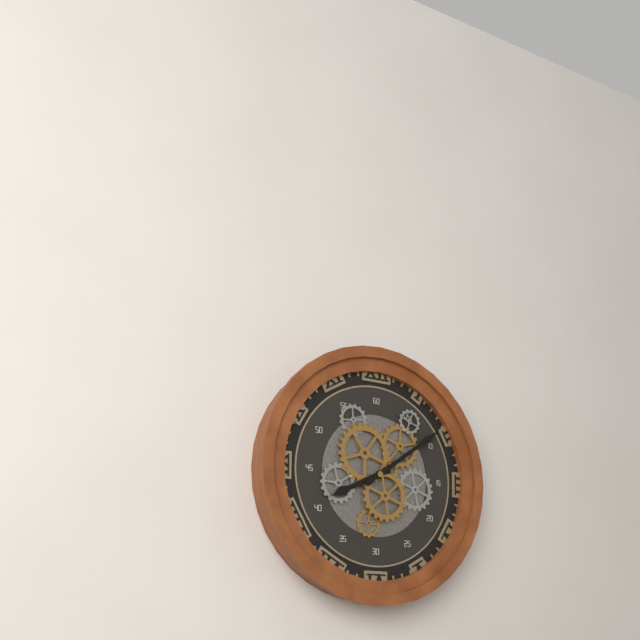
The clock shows 8.09
